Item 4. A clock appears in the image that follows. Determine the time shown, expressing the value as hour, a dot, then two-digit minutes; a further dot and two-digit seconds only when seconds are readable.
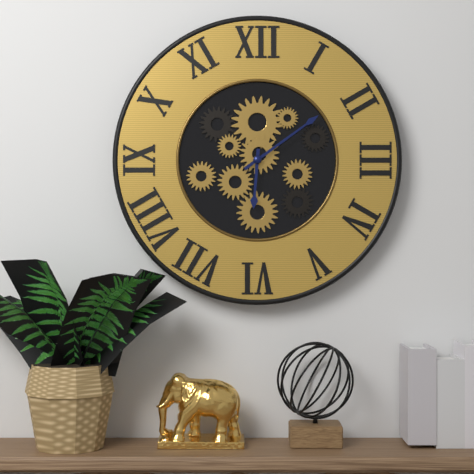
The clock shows 6.09
